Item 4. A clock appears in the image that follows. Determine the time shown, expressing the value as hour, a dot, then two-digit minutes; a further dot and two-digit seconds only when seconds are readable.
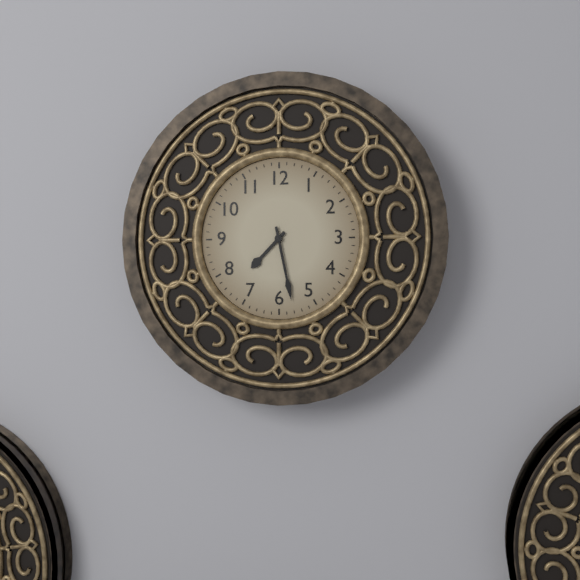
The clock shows 7.28
